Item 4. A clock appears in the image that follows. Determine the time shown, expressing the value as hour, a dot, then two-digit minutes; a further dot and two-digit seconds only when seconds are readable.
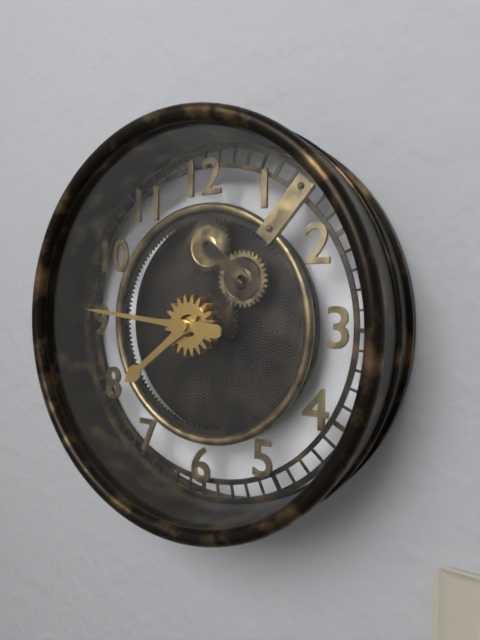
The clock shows 7.46
